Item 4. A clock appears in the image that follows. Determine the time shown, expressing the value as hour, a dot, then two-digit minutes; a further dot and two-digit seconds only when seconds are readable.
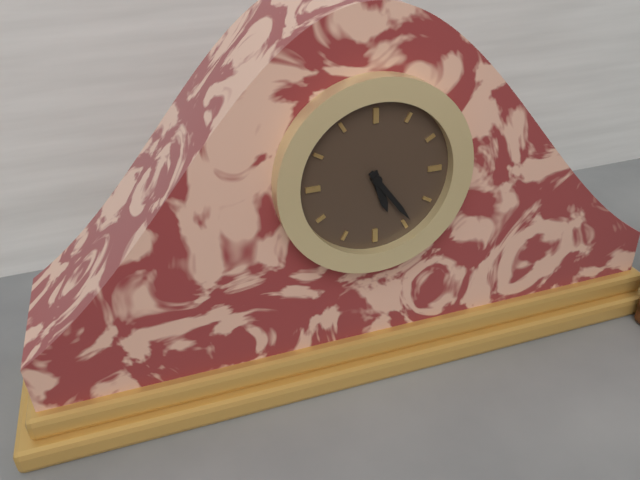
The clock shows 5.24
